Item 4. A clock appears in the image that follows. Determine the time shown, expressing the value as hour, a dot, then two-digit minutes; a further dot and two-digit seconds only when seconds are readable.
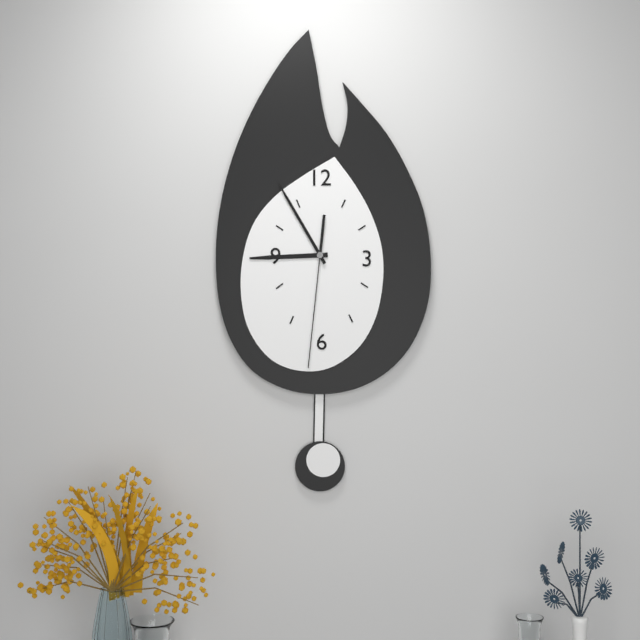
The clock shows 8.55.31
